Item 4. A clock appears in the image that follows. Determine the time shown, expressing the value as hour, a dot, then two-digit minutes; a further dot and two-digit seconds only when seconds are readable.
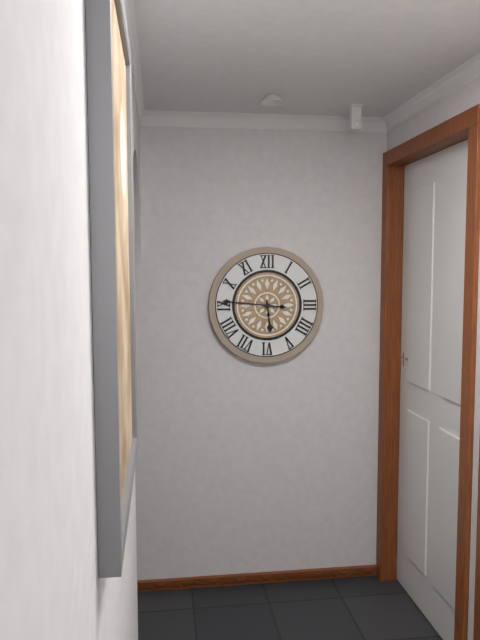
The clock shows 5.46
